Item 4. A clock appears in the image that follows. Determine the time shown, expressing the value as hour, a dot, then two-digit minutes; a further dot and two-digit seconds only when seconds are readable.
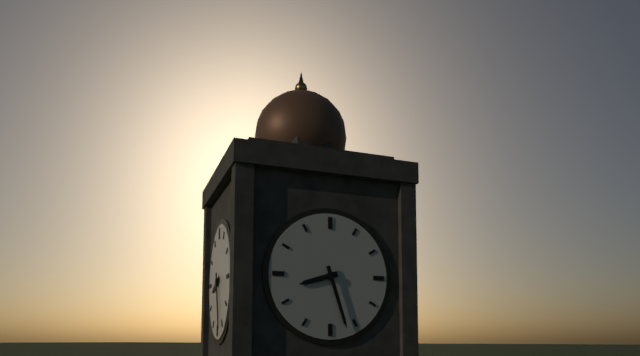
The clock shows 8.27
